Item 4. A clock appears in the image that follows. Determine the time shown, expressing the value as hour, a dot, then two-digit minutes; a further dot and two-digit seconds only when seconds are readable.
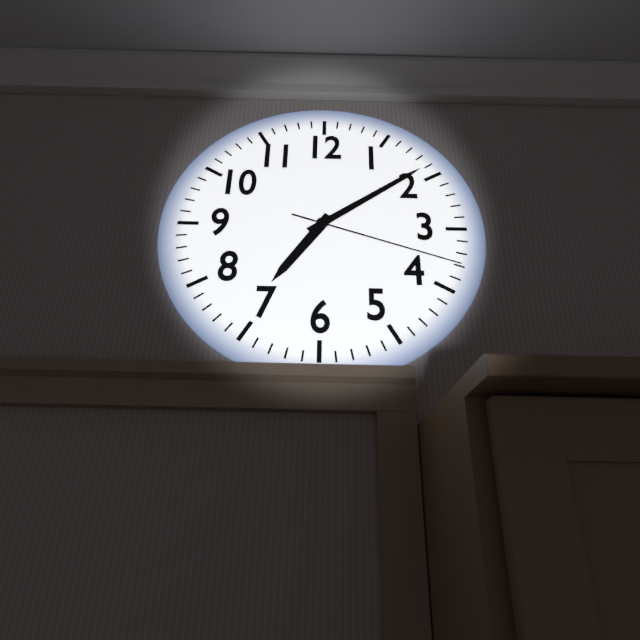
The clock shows 7.09.18
